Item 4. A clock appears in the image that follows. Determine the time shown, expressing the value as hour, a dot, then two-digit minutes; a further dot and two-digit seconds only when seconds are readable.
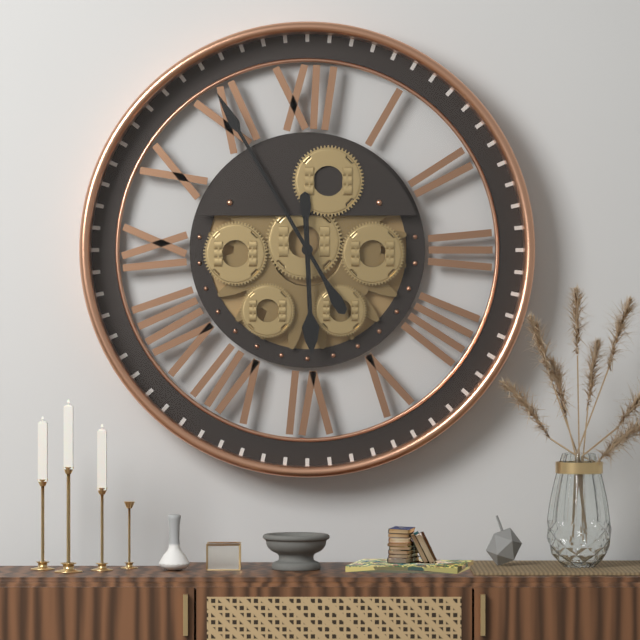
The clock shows 5.55
